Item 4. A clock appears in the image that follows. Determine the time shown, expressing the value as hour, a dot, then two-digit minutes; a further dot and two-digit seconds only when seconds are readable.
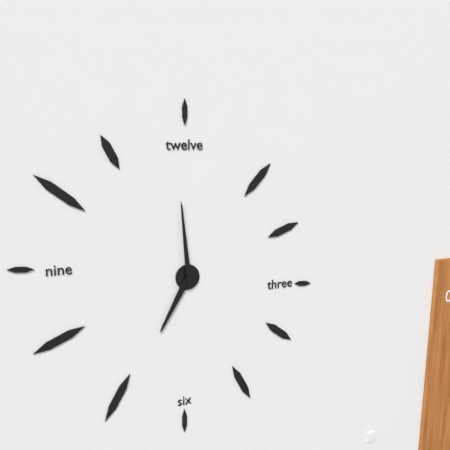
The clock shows 6.59
